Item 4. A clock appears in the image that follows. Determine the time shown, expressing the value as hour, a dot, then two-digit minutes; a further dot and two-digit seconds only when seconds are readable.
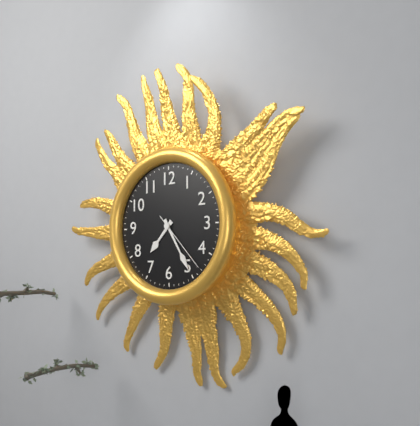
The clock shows 7.25.23
